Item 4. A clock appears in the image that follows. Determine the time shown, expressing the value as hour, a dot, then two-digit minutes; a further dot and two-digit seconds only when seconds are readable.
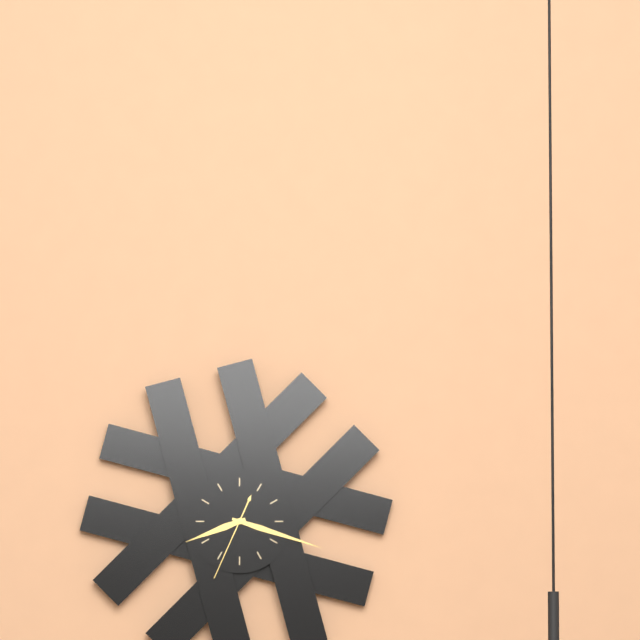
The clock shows 8.18.34
